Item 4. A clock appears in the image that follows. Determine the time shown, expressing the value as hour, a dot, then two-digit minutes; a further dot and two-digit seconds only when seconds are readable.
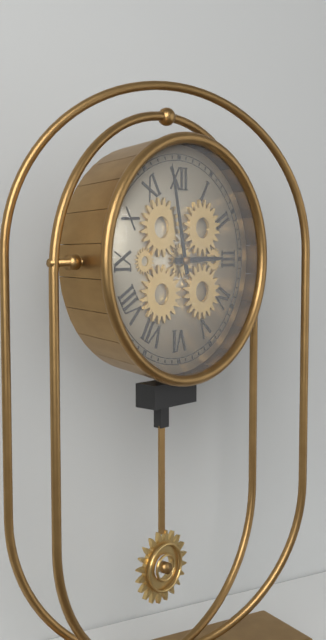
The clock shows 2.58
